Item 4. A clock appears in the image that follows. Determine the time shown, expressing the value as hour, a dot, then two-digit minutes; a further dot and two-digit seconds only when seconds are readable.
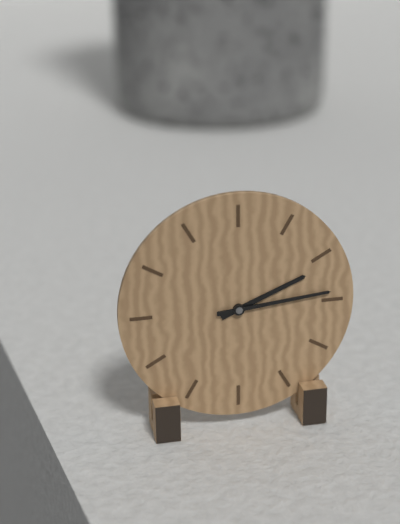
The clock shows 2.14
